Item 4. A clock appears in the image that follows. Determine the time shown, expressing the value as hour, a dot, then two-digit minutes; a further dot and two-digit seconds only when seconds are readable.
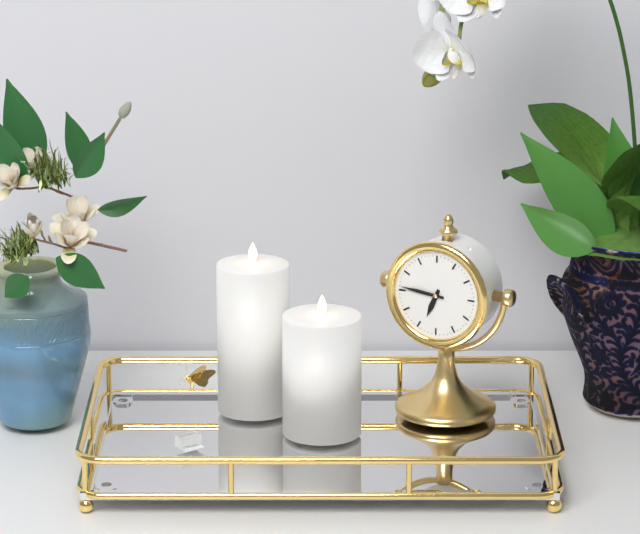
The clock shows 6.46
